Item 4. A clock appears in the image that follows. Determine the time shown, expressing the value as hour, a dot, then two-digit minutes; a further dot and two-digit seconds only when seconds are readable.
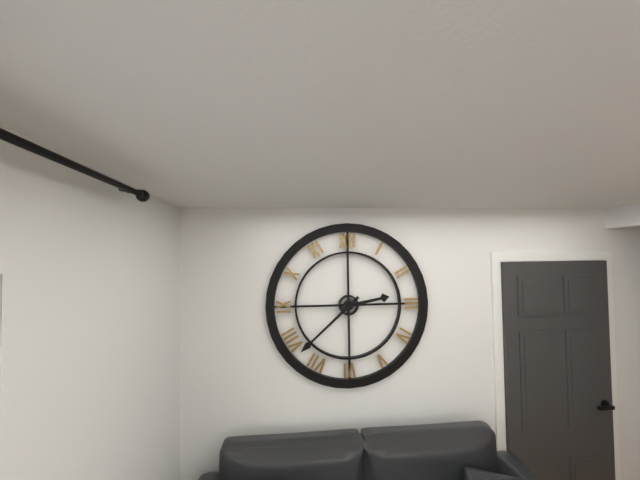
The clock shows 2.38
